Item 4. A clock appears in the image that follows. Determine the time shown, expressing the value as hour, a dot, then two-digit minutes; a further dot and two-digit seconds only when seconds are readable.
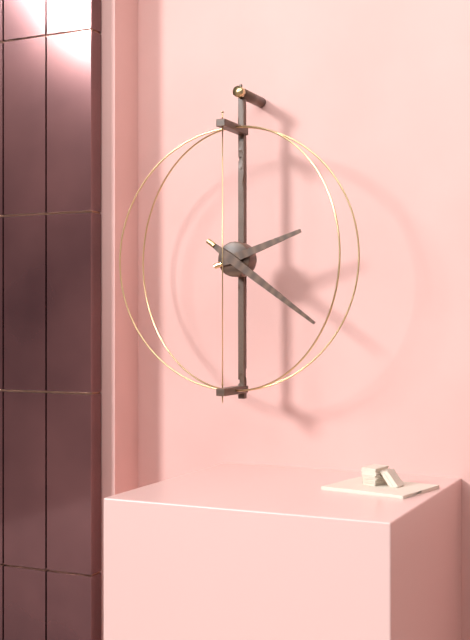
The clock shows 2.21
